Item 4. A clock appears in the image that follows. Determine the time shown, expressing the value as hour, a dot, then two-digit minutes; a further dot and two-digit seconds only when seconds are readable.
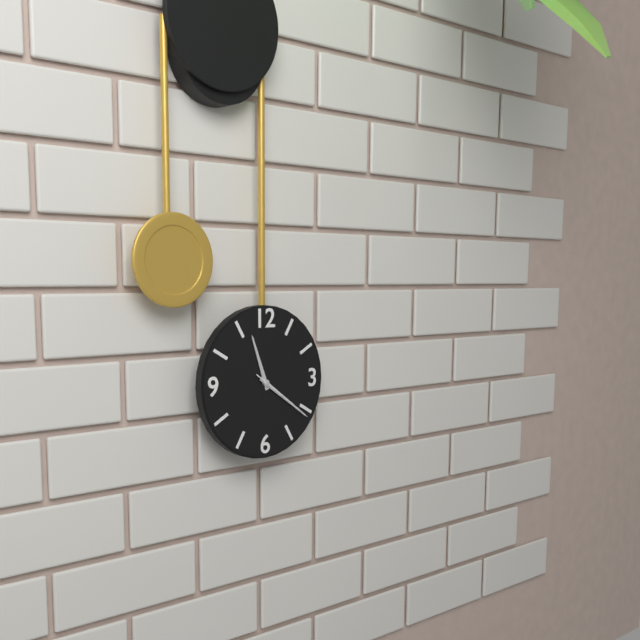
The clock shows 11.21.21
